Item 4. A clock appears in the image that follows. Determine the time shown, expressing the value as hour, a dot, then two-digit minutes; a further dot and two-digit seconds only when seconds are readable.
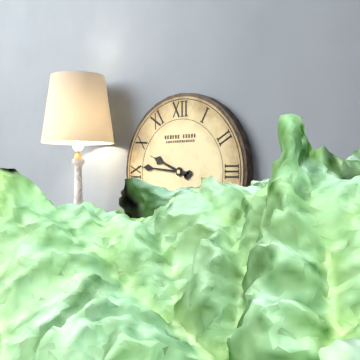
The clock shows 9.46
